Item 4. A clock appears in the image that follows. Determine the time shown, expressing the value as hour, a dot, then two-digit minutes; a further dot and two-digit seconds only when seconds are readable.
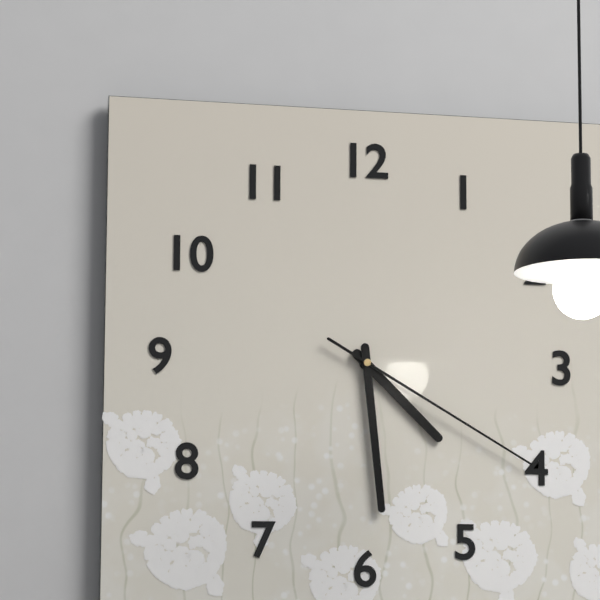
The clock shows 4.29.20
